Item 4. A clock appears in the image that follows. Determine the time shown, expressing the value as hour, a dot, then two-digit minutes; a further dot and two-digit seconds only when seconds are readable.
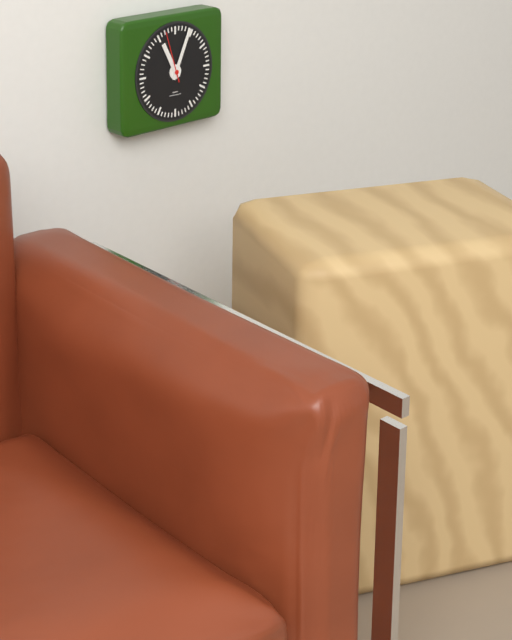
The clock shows 11.04.57
